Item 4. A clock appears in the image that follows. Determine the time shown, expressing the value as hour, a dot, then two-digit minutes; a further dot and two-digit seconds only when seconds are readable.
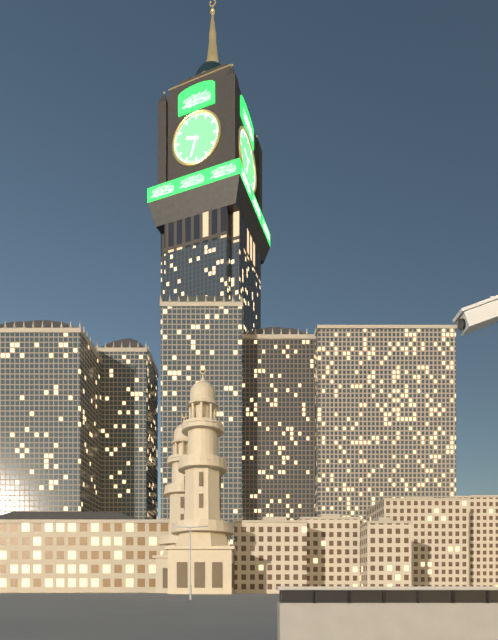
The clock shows 9.33
